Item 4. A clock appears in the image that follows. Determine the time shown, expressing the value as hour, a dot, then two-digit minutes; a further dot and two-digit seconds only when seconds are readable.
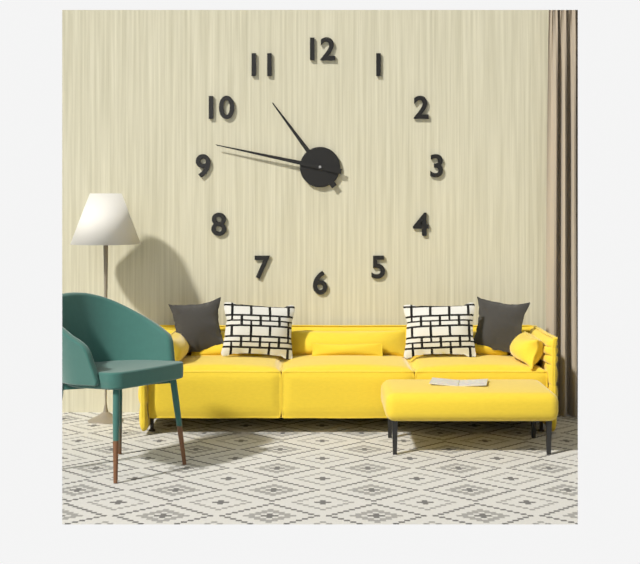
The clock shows 10.47
